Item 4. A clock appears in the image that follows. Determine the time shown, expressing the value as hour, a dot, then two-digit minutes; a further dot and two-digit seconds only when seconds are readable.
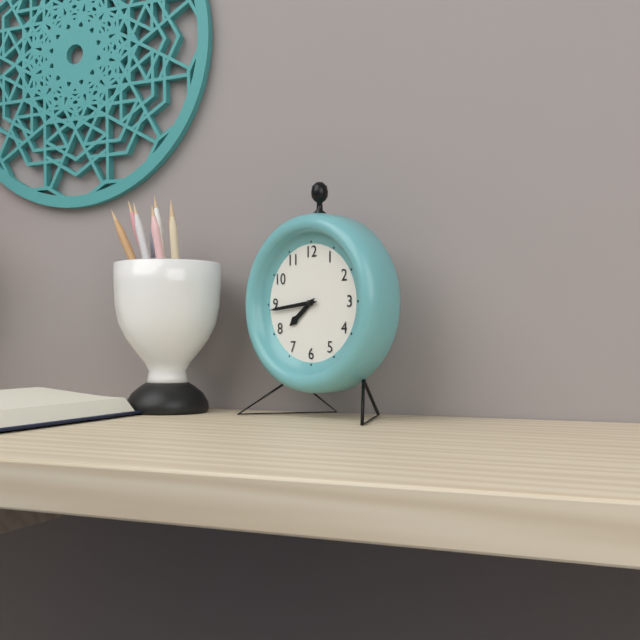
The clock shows 7.44
